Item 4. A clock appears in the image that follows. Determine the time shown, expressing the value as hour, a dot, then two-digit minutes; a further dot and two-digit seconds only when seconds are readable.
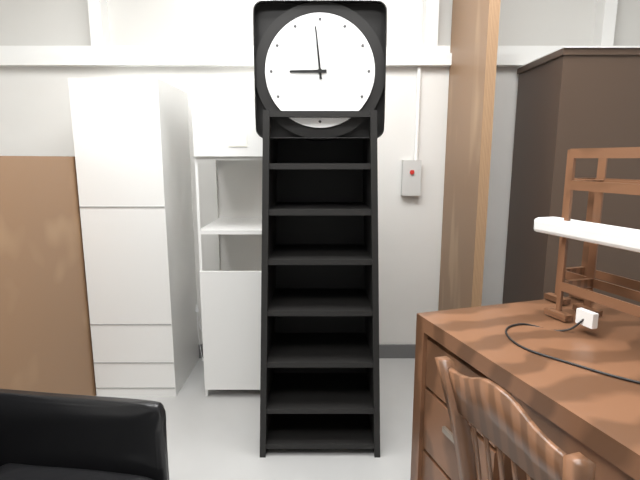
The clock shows 8.59
